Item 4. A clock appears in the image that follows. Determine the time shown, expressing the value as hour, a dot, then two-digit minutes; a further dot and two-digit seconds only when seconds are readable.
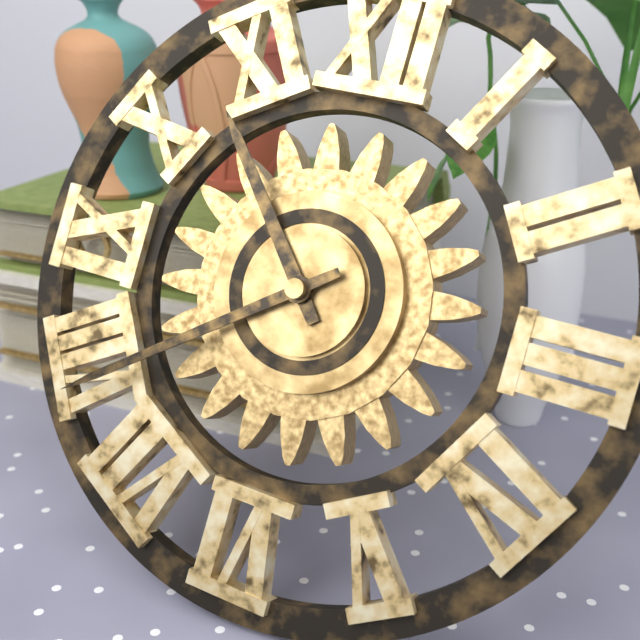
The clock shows 10.39
